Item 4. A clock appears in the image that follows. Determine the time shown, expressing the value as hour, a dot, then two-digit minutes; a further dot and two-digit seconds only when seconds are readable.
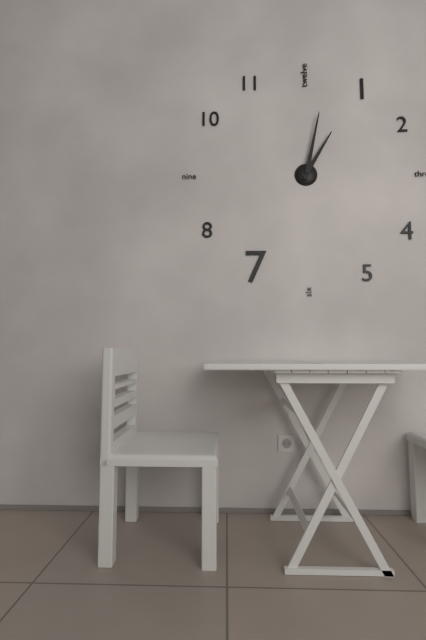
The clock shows 1.02
